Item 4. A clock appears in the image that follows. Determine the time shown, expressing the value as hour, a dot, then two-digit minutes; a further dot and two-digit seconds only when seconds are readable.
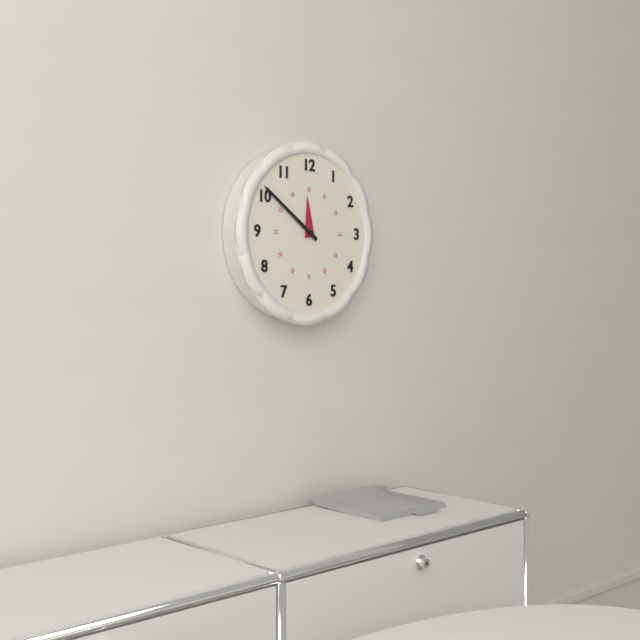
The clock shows 11.51
